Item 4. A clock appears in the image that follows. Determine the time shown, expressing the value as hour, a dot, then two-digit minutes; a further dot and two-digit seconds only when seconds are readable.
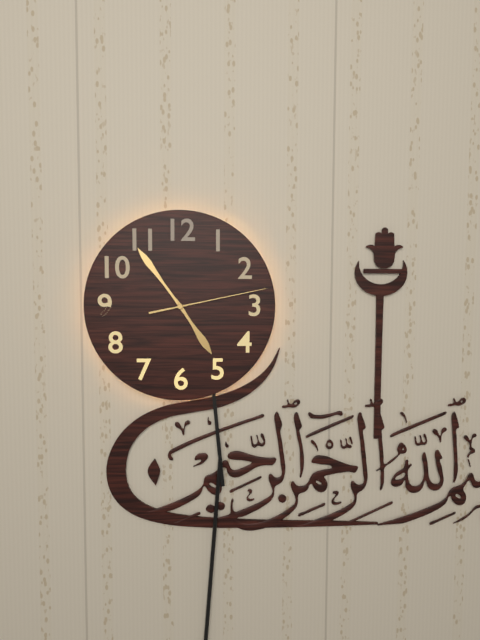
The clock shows 4.54.13
